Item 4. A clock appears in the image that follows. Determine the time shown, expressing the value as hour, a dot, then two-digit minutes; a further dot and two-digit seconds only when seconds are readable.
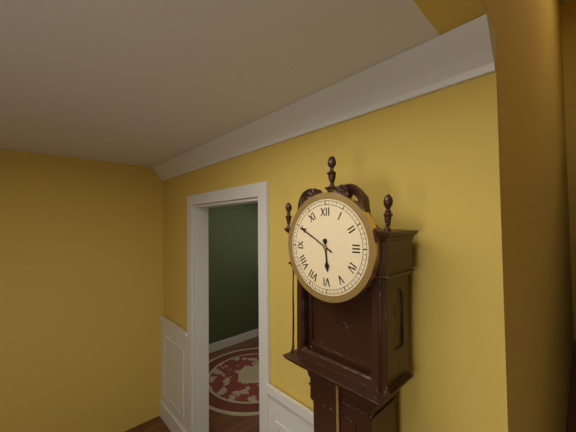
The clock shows 5.50
